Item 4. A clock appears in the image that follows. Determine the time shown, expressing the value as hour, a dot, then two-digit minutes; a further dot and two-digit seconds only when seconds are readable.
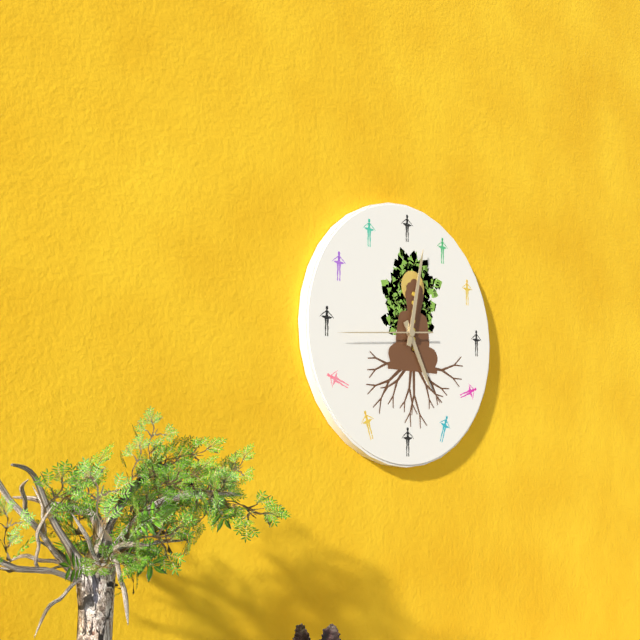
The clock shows 5.02.44
